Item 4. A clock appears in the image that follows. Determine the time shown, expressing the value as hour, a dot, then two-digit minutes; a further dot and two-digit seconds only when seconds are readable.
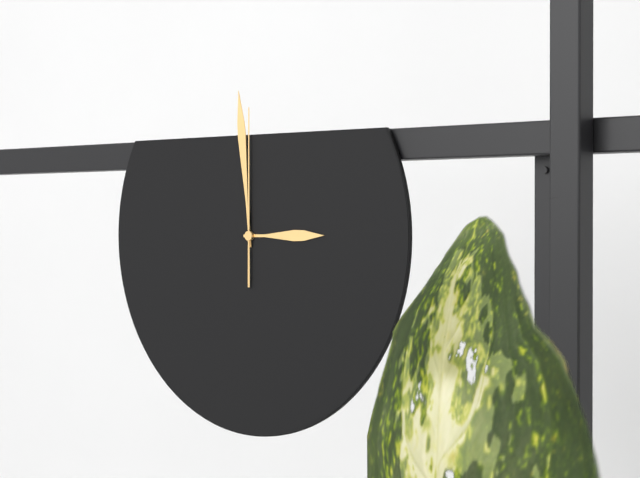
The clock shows 2.59.00
